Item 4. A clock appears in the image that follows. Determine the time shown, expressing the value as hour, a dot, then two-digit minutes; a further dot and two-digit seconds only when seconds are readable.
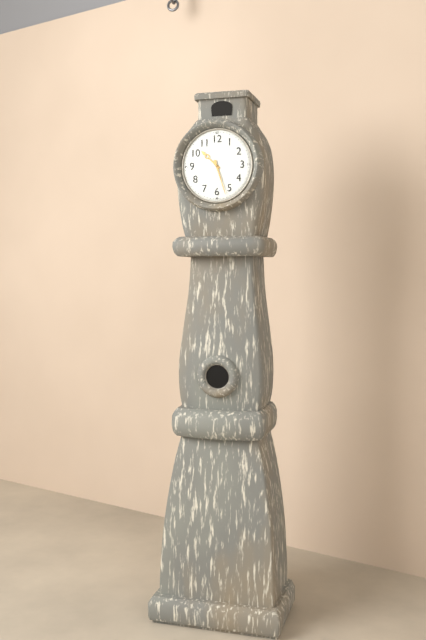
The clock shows 10.27
